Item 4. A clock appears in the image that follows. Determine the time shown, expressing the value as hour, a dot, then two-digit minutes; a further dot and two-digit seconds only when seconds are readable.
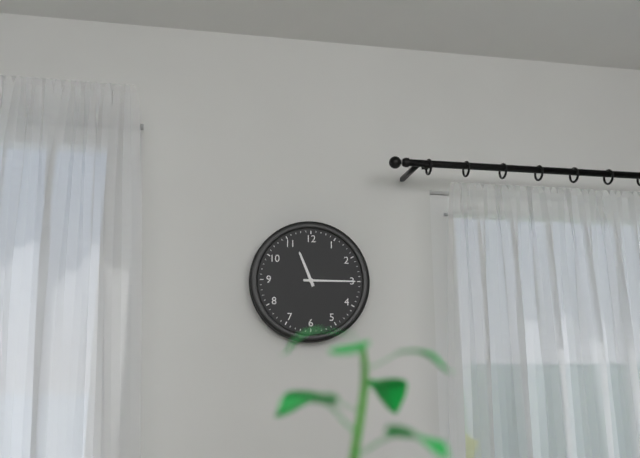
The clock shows 11.15
